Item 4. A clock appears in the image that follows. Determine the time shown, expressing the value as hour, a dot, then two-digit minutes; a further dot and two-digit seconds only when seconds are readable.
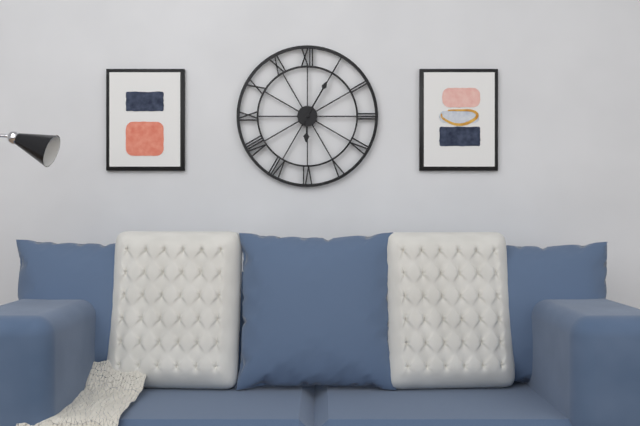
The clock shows 6.05
